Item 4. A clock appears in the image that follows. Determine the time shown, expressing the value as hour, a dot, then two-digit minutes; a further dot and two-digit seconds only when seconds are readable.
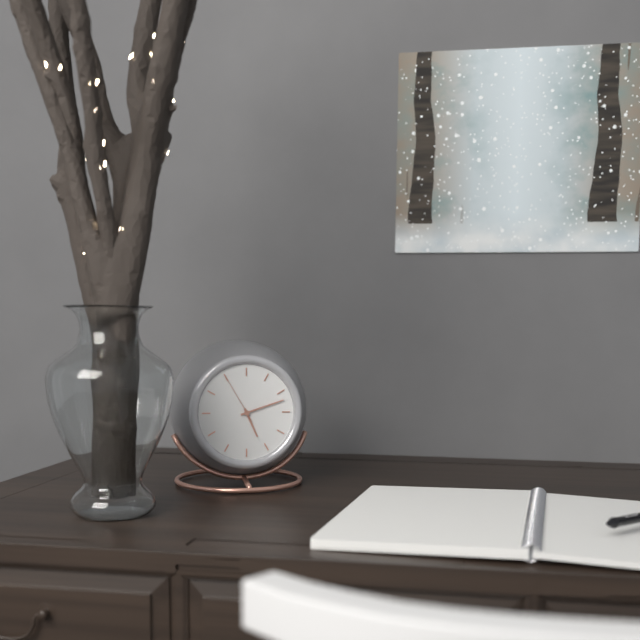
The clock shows 5.12.55
